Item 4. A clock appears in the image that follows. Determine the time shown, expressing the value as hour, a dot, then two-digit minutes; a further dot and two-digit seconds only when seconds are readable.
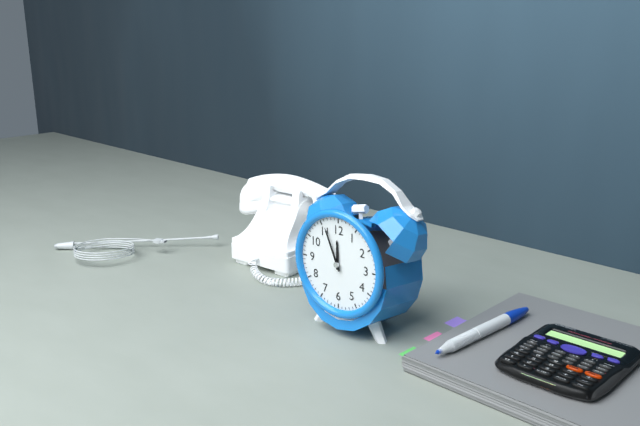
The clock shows 11.56
